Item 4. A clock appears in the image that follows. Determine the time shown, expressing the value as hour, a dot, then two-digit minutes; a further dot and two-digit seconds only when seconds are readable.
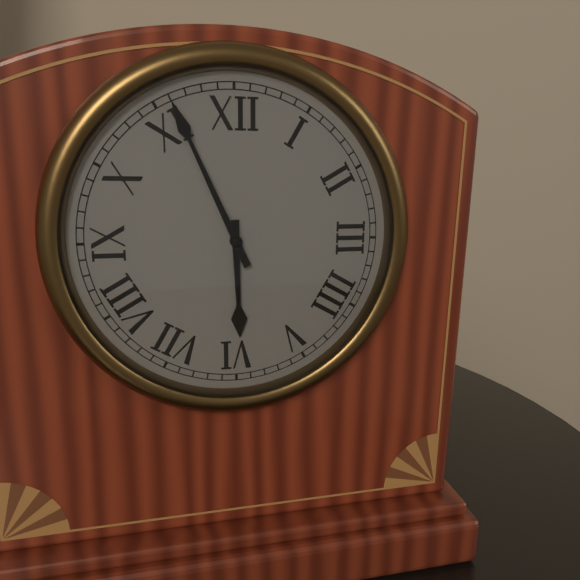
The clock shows 5.56
